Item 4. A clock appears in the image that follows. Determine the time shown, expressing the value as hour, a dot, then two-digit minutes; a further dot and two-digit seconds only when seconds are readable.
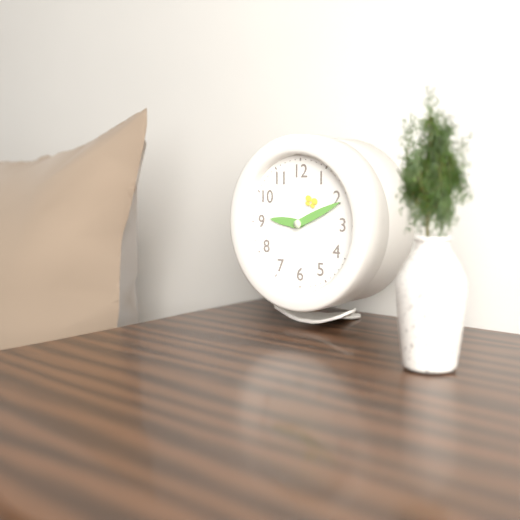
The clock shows 9.11
